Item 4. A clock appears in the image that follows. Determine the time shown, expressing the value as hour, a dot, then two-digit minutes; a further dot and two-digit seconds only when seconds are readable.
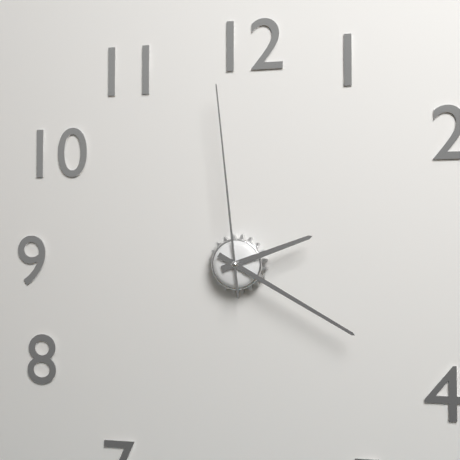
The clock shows 2.20.59
